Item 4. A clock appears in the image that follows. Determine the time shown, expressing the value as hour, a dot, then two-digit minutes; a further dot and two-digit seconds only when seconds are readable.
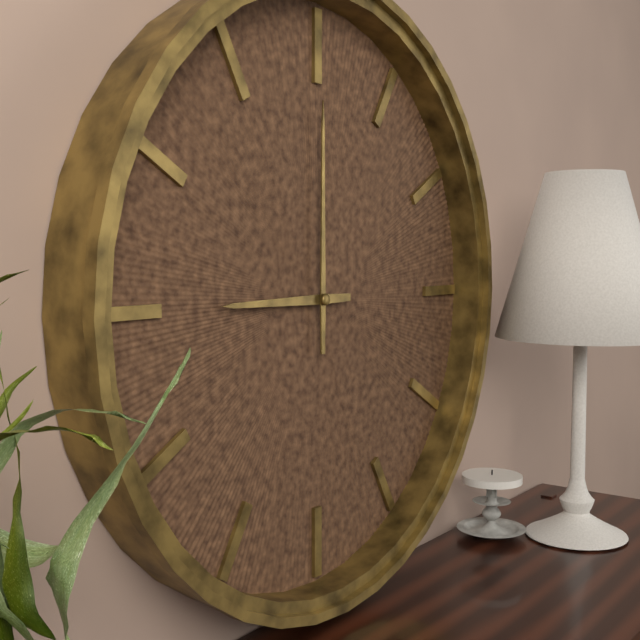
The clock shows 9.00
